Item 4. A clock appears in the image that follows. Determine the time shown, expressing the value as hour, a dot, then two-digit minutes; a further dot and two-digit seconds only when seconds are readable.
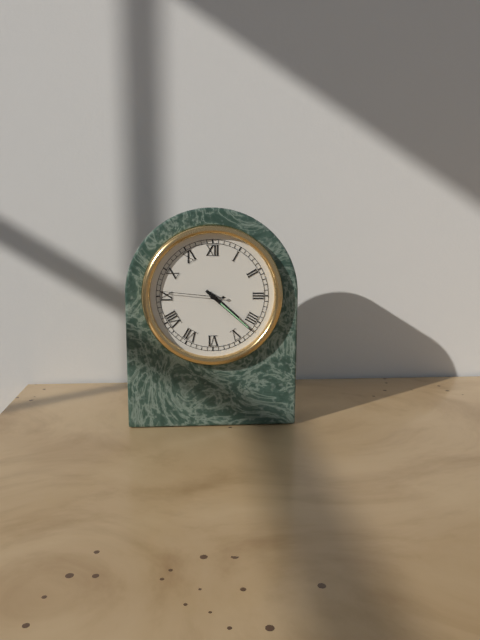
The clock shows 4.22.46
